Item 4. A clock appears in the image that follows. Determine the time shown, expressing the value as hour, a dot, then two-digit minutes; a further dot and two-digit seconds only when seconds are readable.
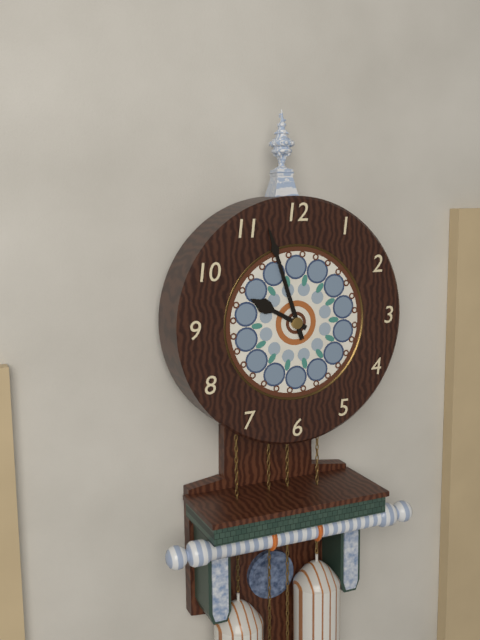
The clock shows 9.57
